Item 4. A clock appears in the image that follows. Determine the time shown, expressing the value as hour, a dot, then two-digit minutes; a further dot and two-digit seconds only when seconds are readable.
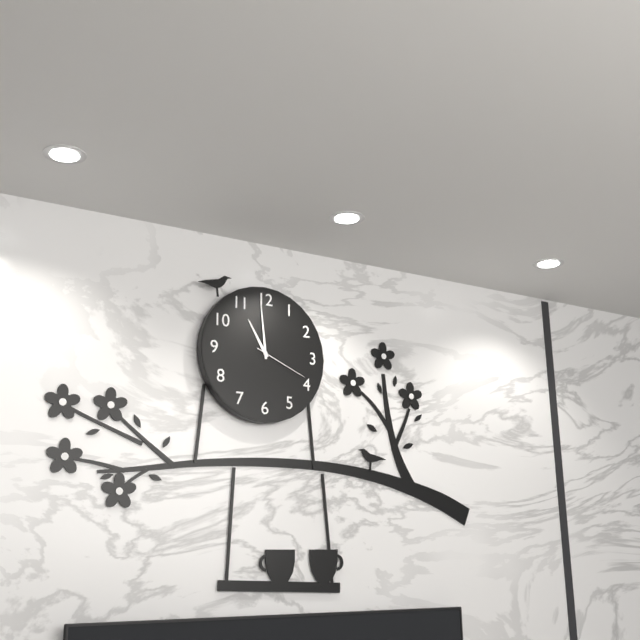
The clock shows 10.59.19
